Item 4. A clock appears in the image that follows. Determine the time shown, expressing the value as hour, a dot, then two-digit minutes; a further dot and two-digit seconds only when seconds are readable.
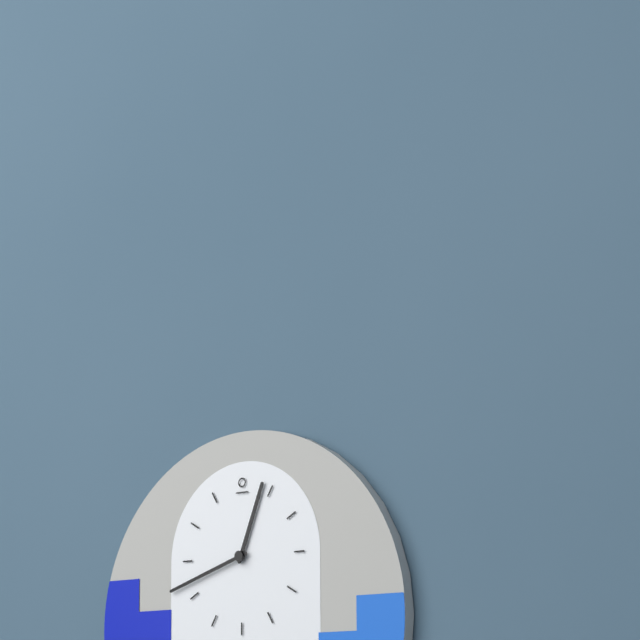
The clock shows 12.42
